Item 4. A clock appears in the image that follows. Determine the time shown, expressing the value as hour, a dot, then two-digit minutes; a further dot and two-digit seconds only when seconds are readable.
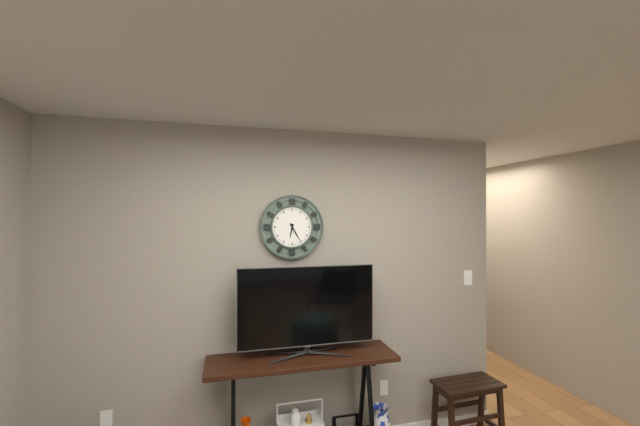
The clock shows 6.25
